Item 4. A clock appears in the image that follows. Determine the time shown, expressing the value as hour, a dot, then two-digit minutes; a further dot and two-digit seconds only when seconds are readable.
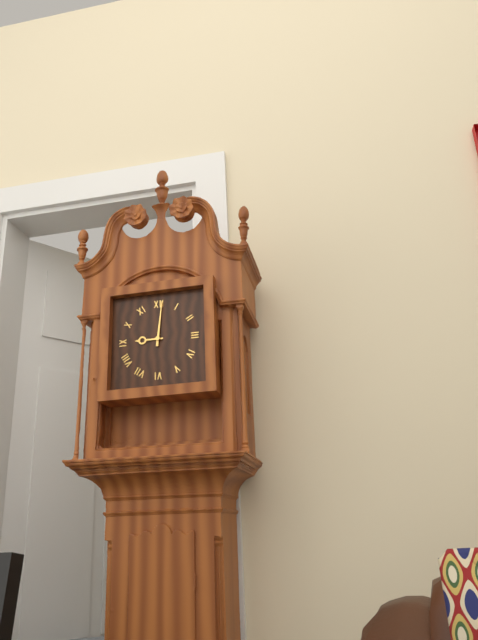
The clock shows 9.01
